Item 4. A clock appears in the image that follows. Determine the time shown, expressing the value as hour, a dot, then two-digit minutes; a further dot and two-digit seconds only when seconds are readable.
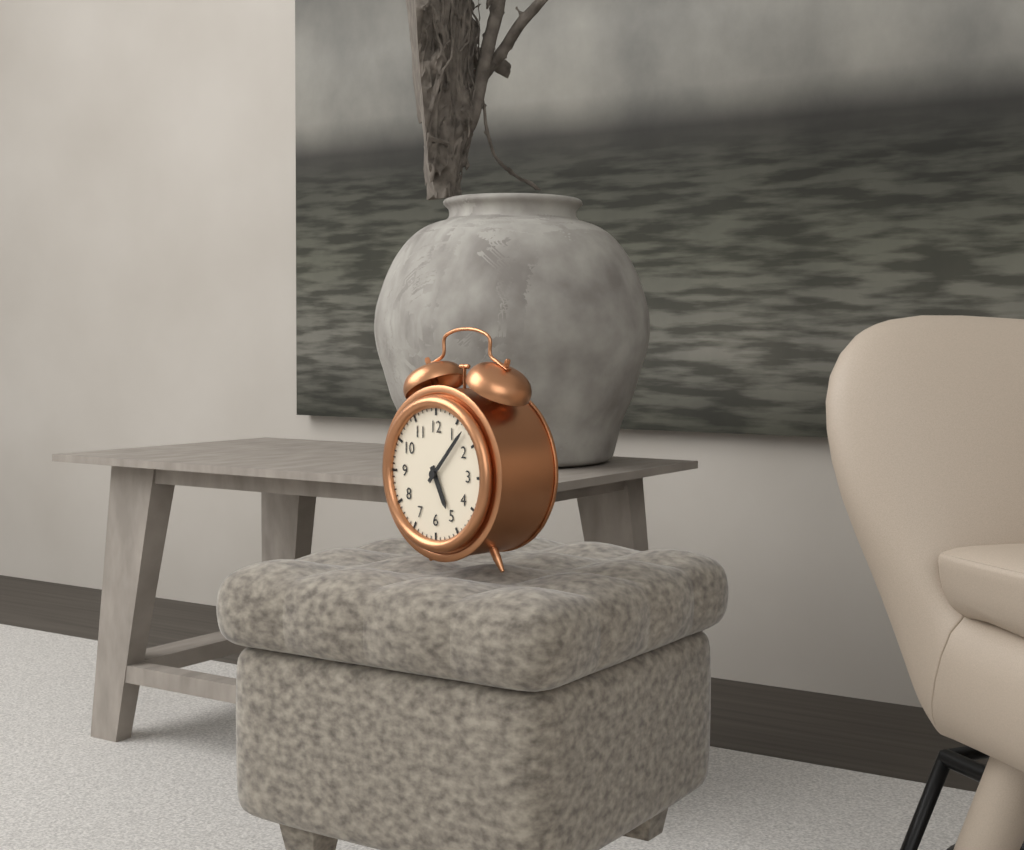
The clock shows 5.07
